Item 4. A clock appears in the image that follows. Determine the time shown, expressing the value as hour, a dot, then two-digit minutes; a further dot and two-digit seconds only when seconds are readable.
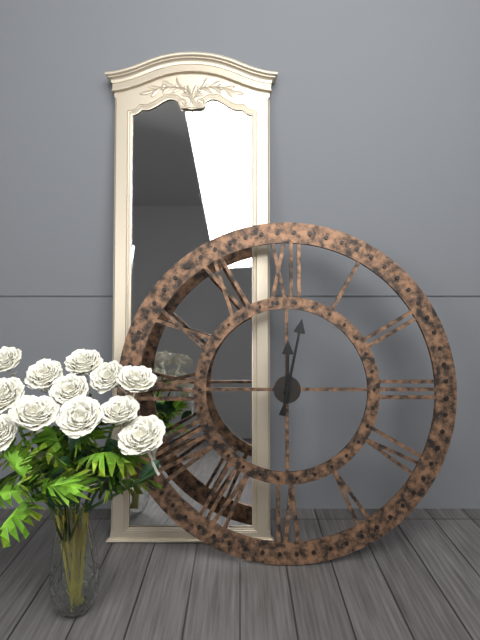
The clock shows 12.02
